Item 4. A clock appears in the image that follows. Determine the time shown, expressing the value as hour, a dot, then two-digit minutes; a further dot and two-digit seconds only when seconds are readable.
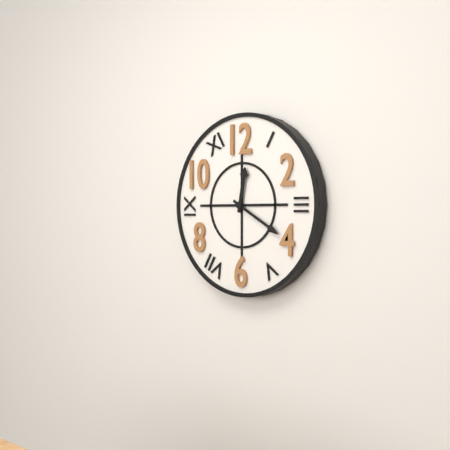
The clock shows 12.20
